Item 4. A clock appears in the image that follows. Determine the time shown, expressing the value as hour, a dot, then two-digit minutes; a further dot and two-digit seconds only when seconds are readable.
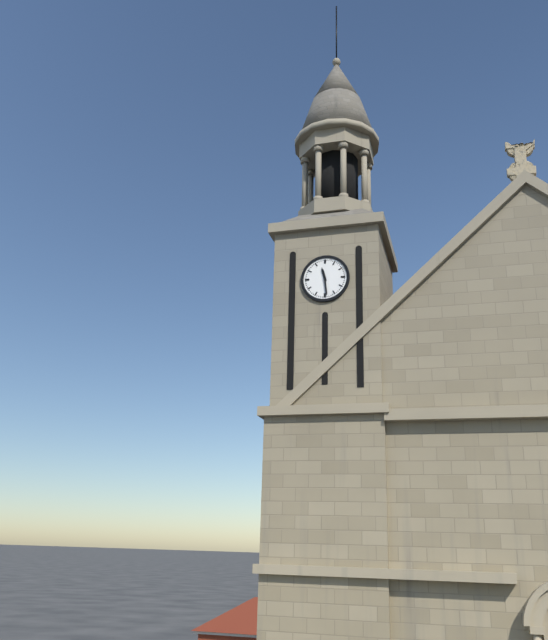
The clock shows 11.29
